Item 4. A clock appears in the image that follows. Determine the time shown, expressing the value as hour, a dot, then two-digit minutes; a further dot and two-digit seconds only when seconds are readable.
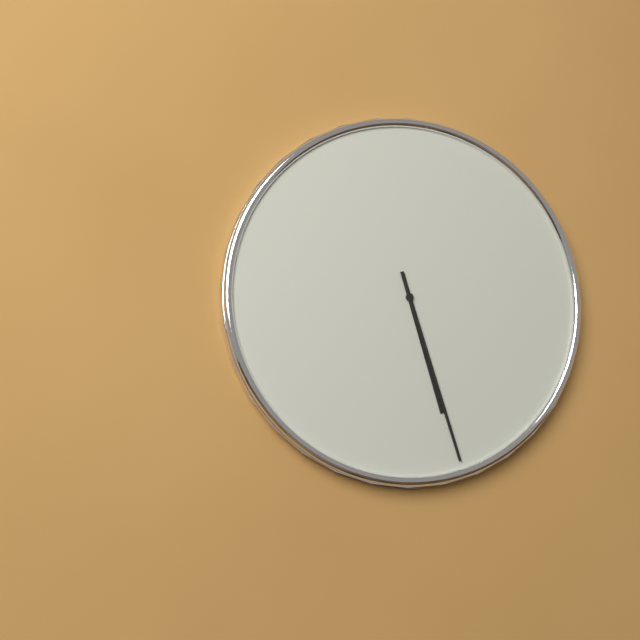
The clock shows 5.27
